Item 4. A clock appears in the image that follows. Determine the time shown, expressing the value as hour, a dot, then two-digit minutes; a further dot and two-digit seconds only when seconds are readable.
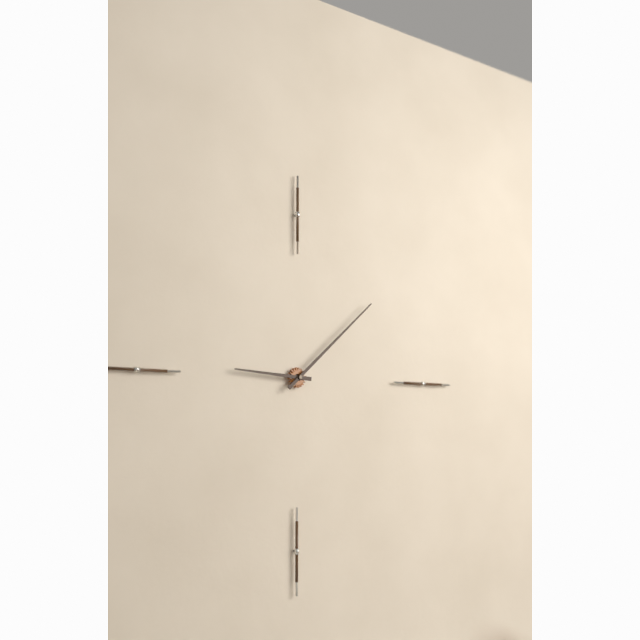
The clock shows 9.08
